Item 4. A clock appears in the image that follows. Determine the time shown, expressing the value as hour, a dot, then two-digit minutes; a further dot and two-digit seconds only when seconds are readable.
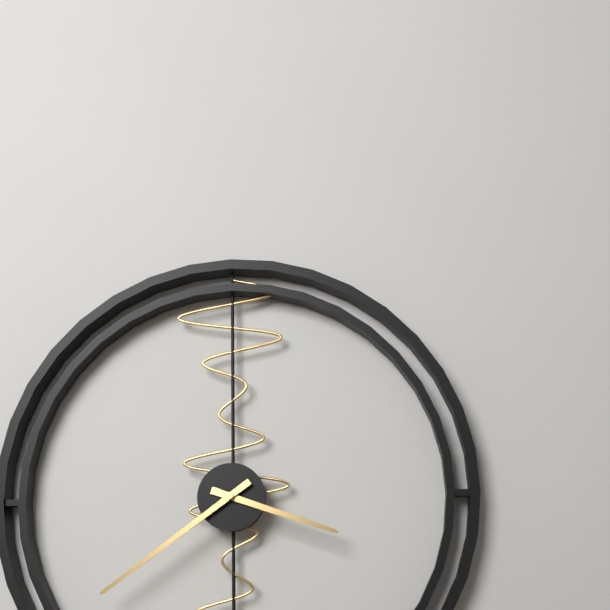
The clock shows 3.39
